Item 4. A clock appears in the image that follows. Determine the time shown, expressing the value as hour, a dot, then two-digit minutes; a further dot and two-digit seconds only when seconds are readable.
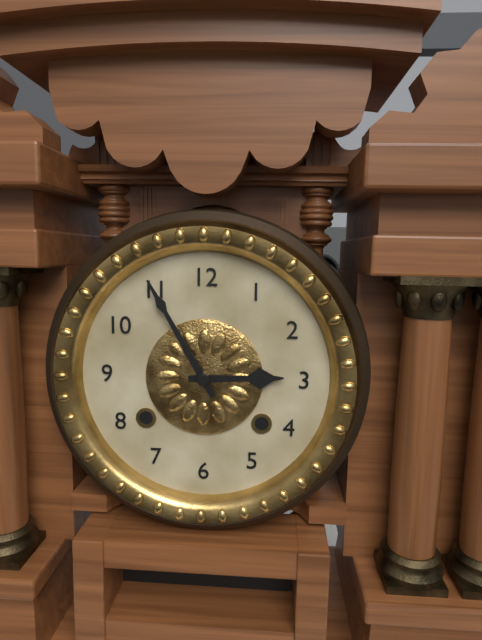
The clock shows 2.55
